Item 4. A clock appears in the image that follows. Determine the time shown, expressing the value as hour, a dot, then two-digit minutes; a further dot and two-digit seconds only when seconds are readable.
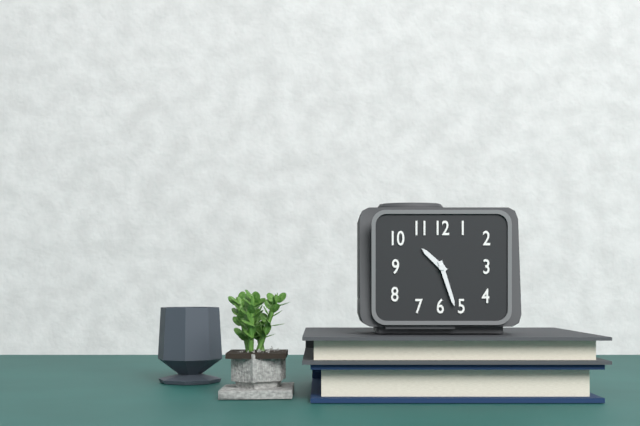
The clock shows 10.27
